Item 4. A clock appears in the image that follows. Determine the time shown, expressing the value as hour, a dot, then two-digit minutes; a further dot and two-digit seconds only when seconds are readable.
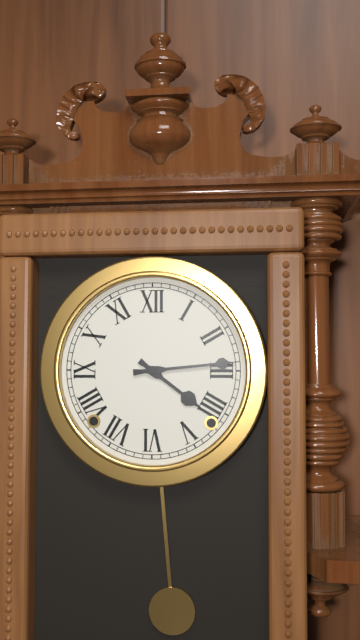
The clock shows 4.14
